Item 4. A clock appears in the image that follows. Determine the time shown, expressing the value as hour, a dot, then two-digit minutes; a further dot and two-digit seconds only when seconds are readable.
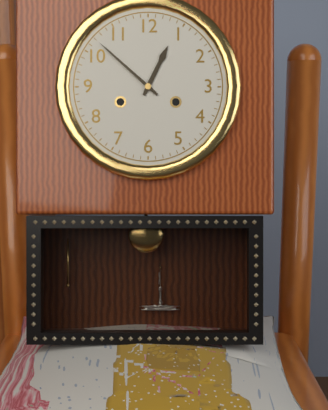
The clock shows 12.52
